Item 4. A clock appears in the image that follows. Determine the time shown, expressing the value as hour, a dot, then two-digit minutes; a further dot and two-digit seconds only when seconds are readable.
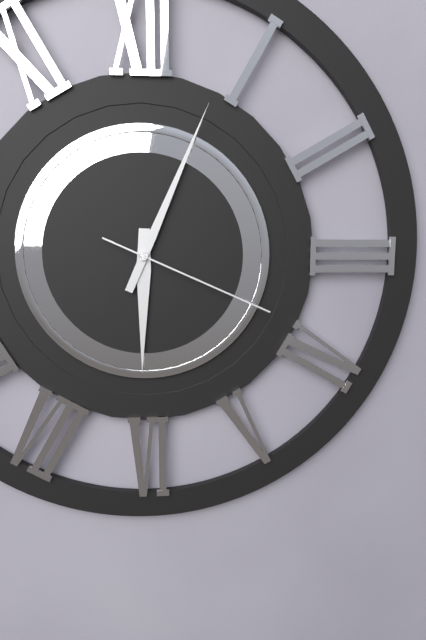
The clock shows 6.04.19
